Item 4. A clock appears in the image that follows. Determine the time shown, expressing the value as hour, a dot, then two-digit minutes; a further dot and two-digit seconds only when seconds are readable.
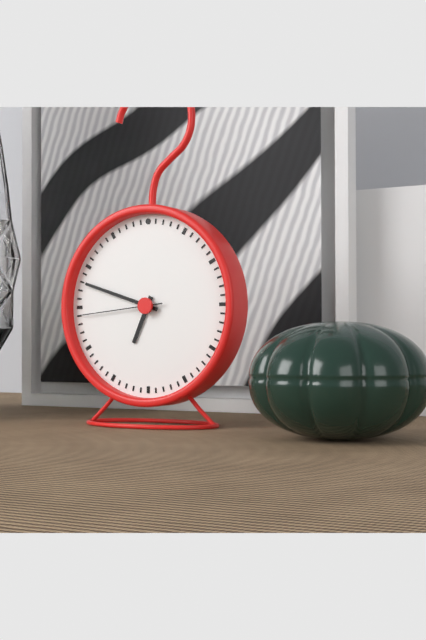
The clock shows 6.48.44
